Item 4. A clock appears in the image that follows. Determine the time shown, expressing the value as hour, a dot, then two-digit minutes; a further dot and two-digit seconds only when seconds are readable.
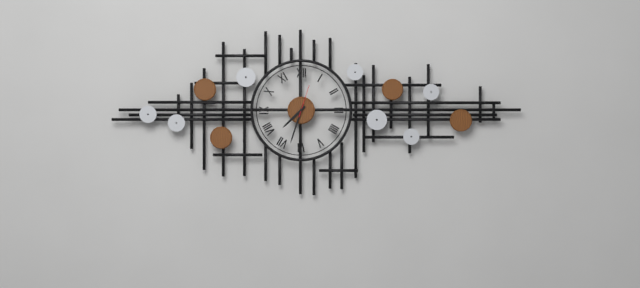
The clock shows 7.33
